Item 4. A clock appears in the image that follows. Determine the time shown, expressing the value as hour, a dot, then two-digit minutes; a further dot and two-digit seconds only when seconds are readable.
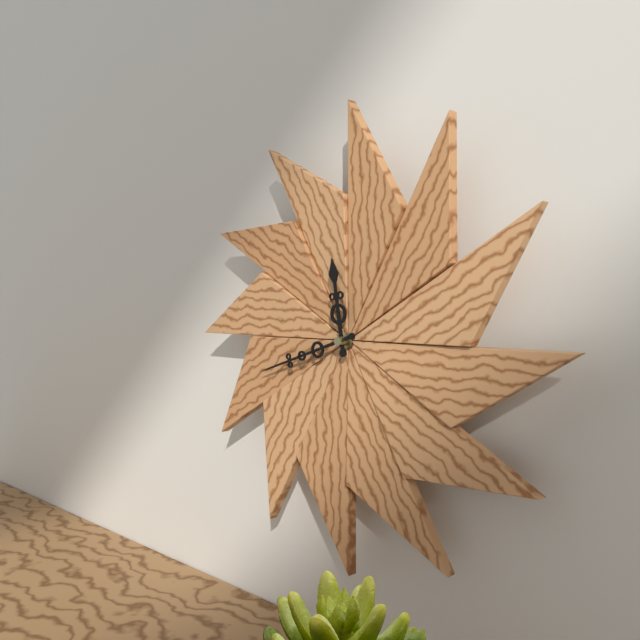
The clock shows 11.42
